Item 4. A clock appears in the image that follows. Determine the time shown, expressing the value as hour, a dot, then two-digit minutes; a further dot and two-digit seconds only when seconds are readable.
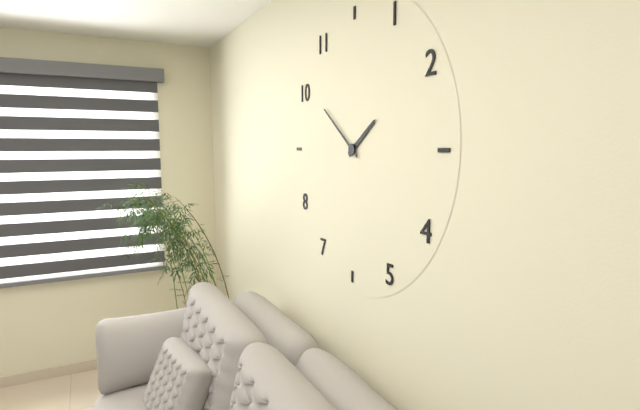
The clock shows 1.51
